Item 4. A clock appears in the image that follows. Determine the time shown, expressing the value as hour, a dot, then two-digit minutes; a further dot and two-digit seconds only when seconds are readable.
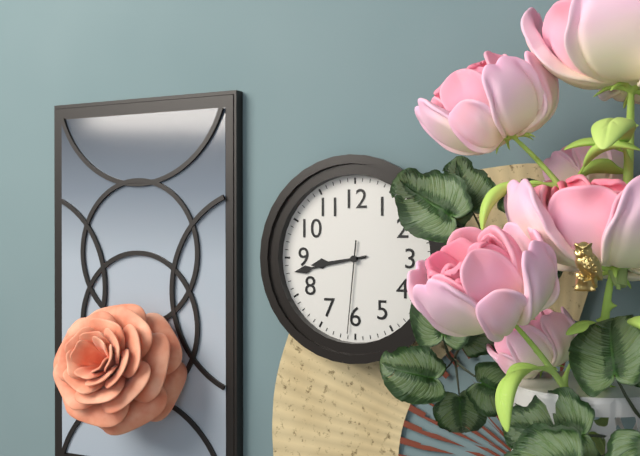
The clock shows 8.43.31
